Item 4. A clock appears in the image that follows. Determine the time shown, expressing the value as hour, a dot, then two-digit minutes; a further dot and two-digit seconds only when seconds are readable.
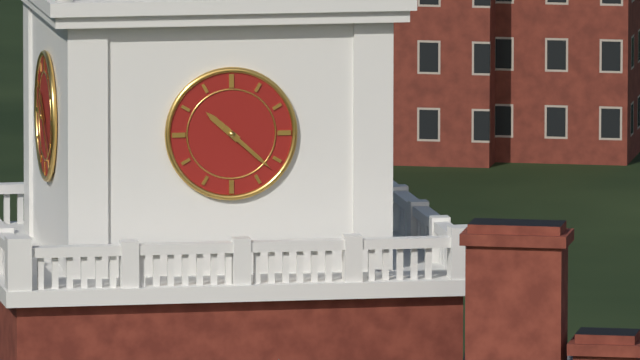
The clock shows 10.22
